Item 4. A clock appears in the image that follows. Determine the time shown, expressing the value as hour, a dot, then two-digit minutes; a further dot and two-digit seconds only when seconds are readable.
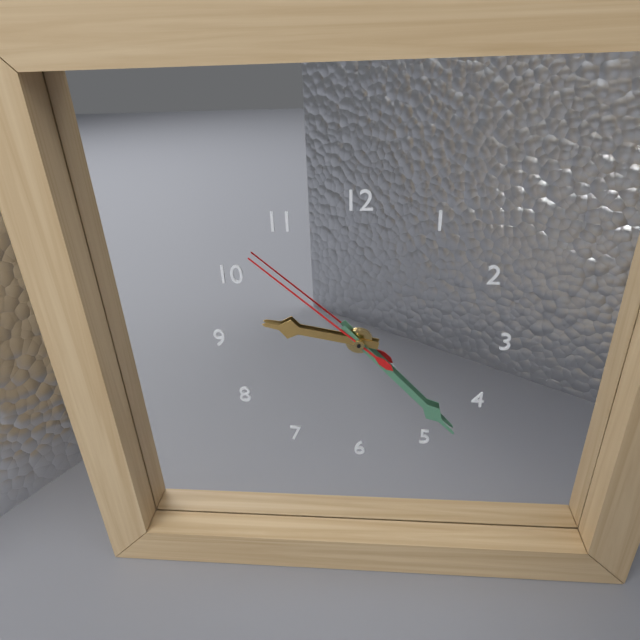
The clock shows 9.23.52
